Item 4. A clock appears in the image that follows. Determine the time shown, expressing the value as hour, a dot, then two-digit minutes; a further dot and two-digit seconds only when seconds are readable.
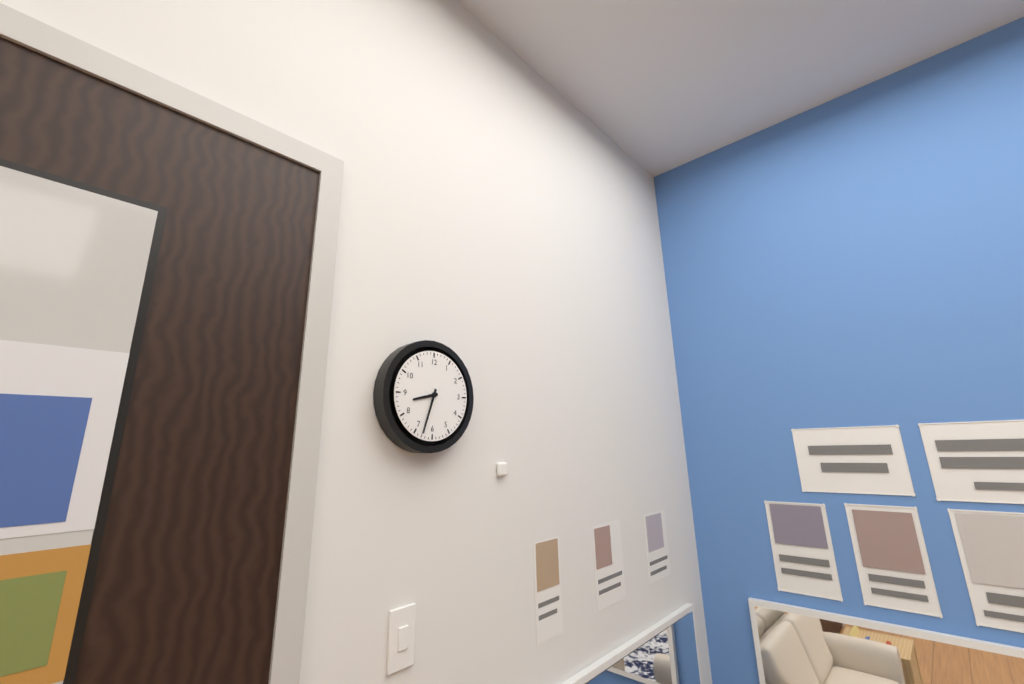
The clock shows 8.33
